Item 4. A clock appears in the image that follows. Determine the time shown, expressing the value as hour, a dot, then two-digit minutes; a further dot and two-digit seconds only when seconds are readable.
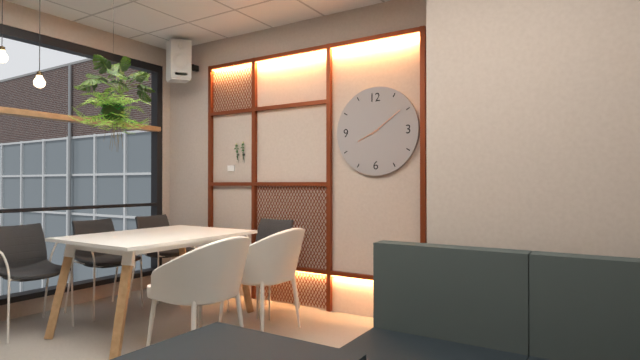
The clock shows 8.09
